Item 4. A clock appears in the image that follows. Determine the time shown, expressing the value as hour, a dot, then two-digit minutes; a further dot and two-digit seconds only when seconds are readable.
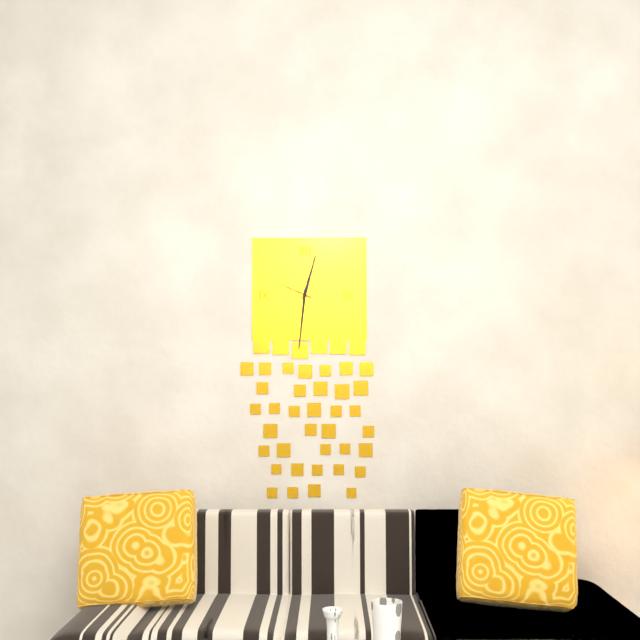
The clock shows 12.31
